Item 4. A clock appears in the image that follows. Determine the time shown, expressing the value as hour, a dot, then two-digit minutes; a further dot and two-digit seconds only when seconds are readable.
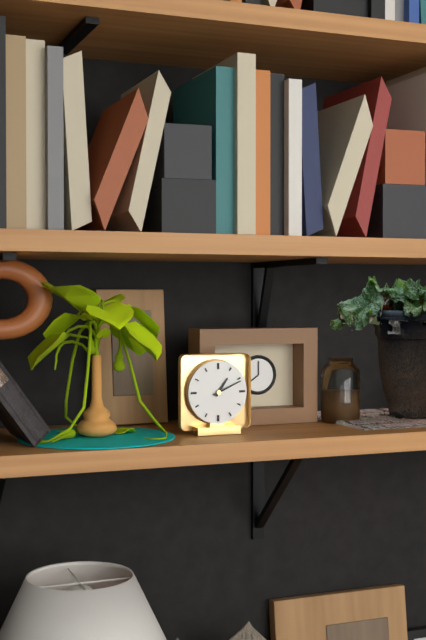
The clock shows 1.11
